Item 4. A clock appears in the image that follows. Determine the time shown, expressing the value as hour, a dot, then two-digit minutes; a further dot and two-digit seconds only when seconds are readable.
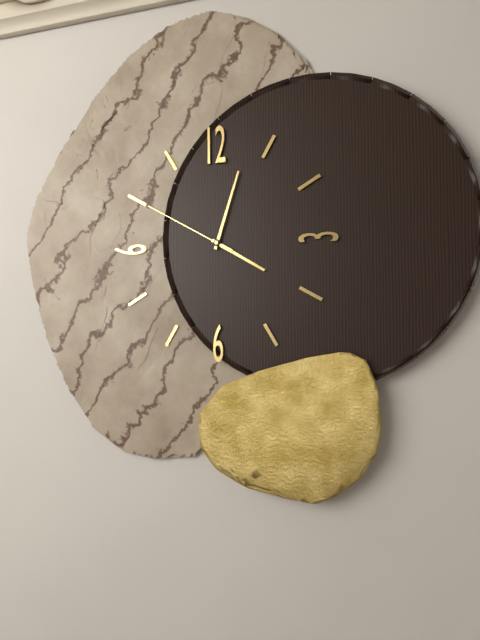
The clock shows 4.03.50
